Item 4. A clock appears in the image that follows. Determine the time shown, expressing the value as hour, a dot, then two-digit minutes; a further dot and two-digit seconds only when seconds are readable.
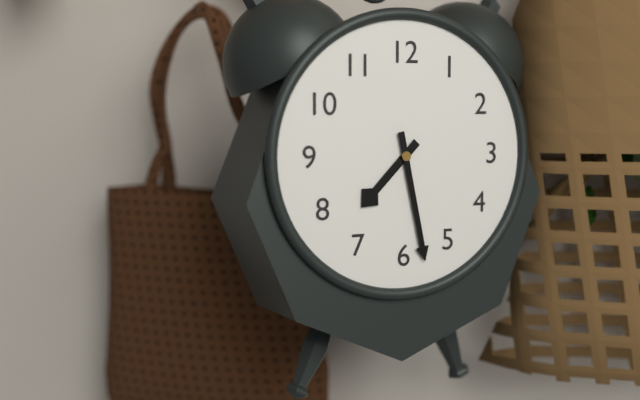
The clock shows 7.28
